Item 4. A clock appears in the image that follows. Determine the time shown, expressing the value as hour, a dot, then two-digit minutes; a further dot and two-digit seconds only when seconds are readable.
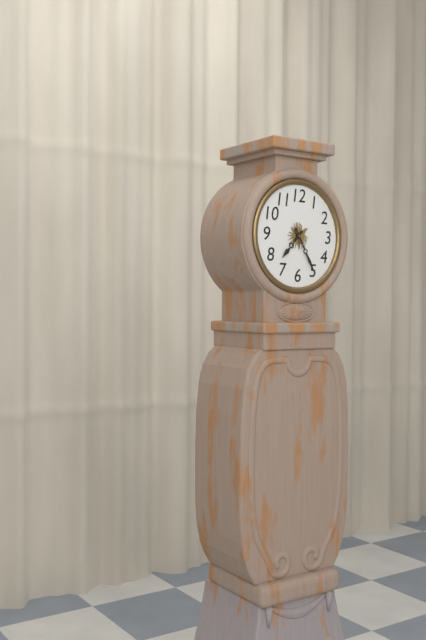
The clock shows 7.25
